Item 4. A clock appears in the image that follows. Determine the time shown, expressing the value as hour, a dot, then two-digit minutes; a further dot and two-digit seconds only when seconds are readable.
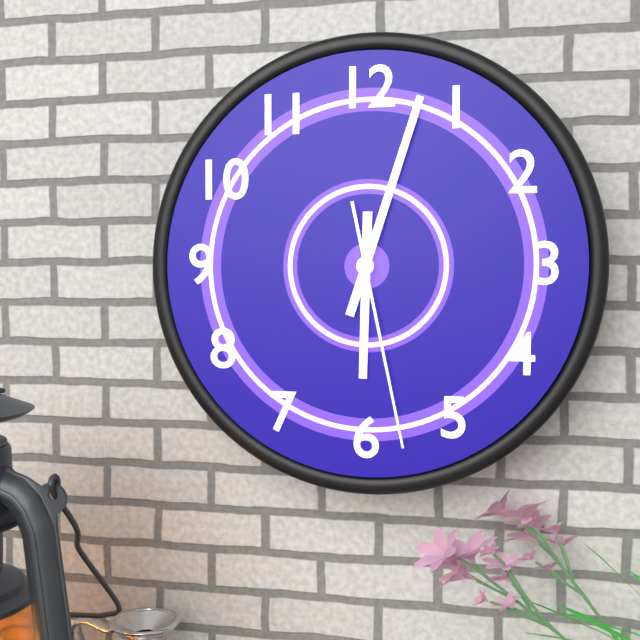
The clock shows 6.03.28
